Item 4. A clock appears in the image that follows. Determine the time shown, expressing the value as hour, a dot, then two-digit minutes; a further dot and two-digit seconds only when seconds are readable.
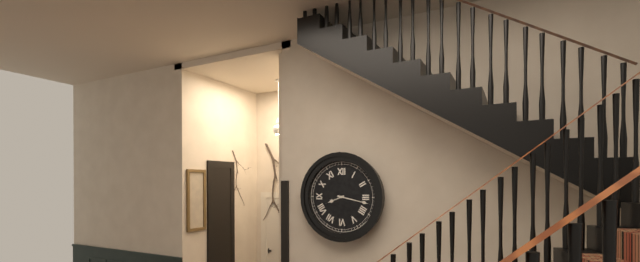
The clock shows 8.17
